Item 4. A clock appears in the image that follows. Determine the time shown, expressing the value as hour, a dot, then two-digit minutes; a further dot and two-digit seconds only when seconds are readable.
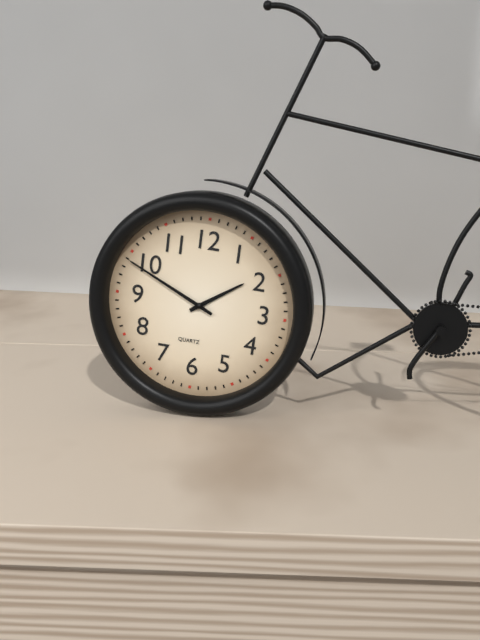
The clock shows 1.49
